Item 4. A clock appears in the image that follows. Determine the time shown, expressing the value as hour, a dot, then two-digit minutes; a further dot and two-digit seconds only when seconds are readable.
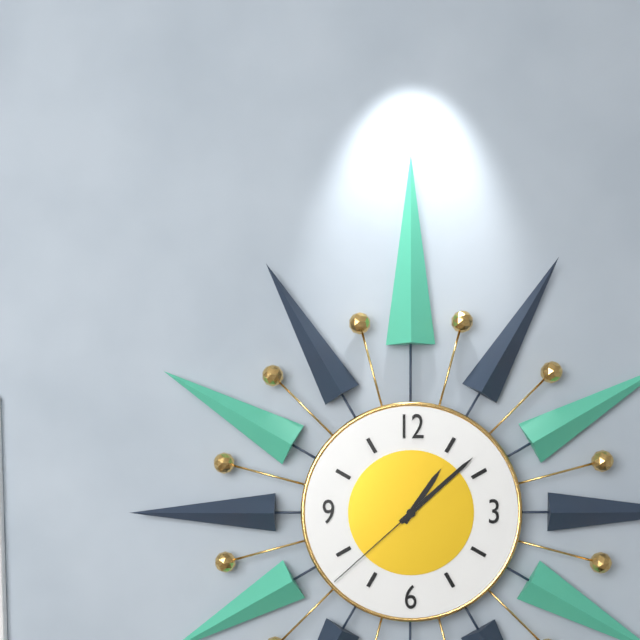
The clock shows 1.08.38
